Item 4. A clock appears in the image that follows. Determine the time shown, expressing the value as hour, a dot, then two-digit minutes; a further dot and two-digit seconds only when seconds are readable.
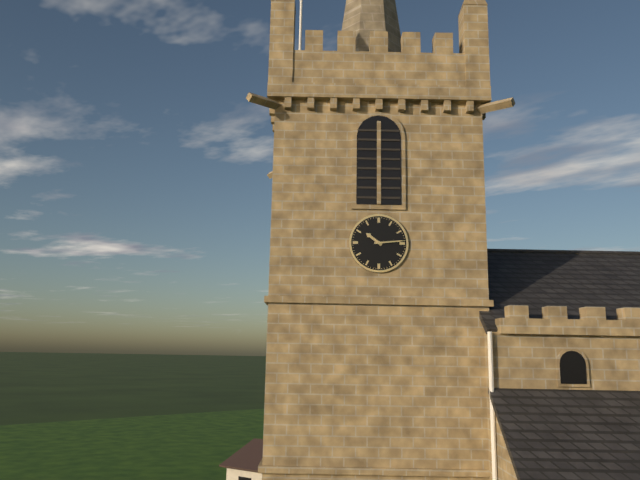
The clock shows 10.14
